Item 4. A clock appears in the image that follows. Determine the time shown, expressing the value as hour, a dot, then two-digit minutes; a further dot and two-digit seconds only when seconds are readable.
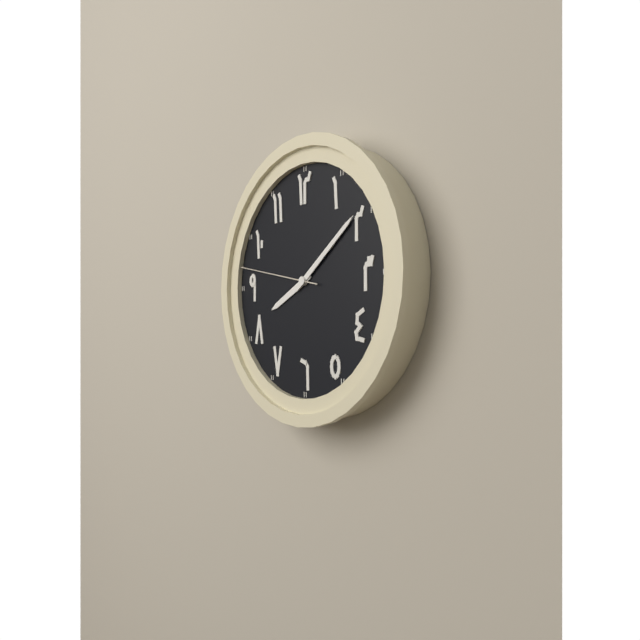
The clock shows 8.09.47
